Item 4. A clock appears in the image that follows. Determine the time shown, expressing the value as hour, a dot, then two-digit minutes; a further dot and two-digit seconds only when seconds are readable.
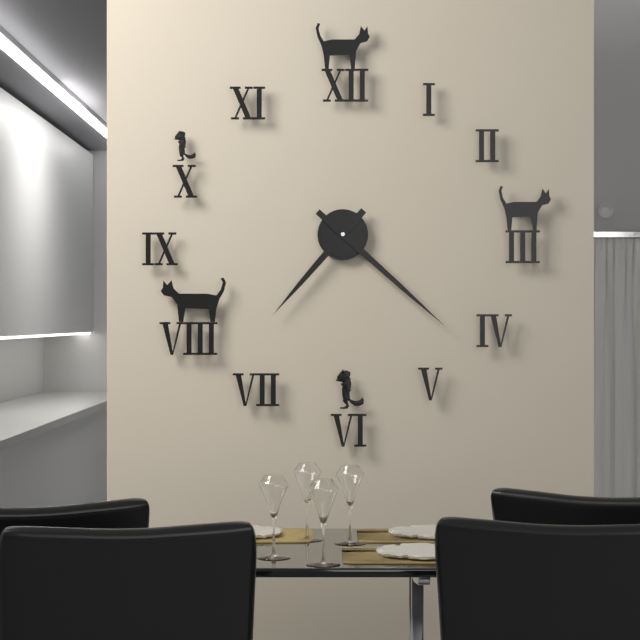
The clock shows 7.22
